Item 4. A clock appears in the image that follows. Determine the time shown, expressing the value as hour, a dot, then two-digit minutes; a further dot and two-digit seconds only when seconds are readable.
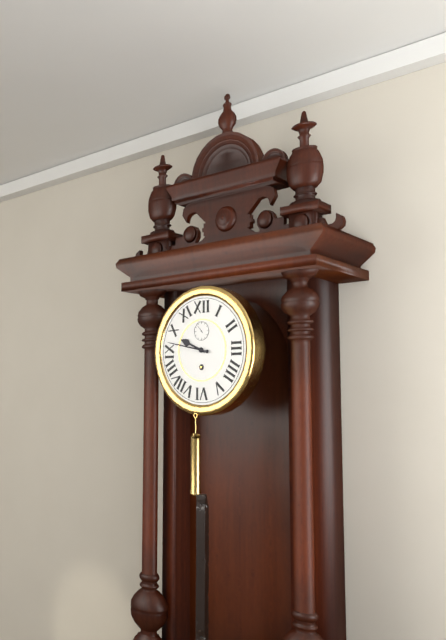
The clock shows 9.47
